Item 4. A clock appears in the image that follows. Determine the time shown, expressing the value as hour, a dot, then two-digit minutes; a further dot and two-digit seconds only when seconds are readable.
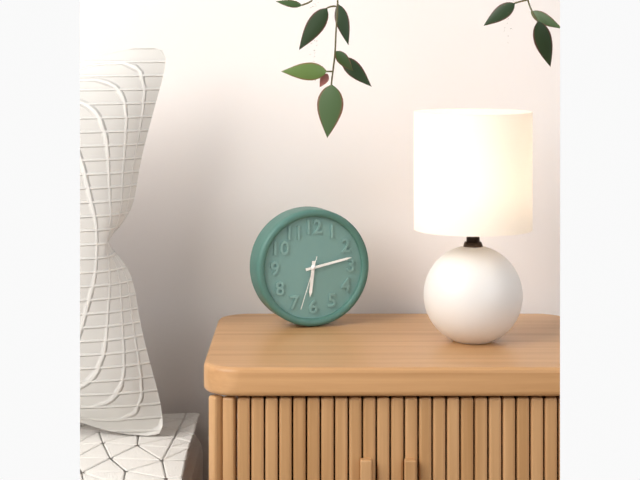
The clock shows 6.13.33
